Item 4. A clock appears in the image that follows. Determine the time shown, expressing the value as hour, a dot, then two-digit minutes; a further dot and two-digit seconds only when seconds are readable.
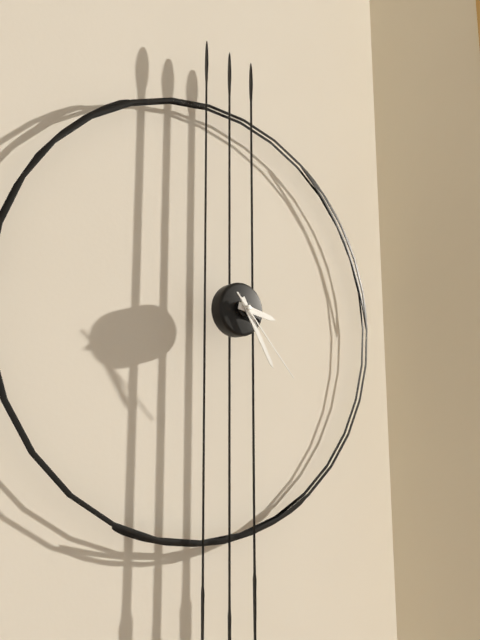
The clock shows 3.25.23
